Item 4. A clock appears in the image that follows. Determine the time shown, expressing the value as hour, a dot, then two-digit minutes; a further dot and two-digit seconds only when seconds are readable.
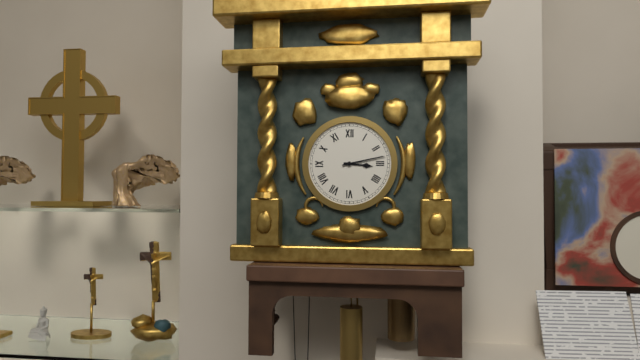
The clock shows 3.13
